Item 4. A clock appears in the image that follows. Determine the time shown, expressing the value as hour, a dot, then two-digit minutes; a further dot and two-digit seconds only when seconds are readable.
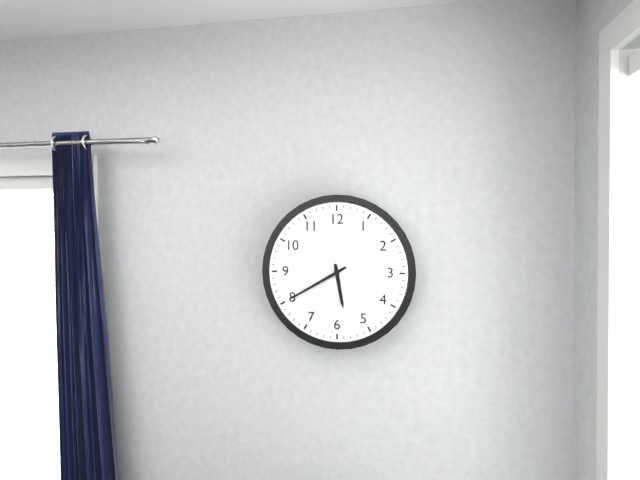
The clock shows 5.40
